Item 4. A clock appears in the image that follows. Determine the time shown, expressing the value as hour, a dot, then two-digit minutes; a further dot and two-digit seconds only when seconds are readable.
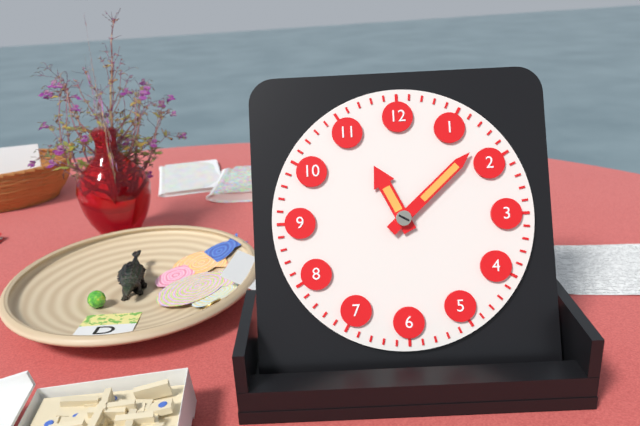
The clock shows 11.08
